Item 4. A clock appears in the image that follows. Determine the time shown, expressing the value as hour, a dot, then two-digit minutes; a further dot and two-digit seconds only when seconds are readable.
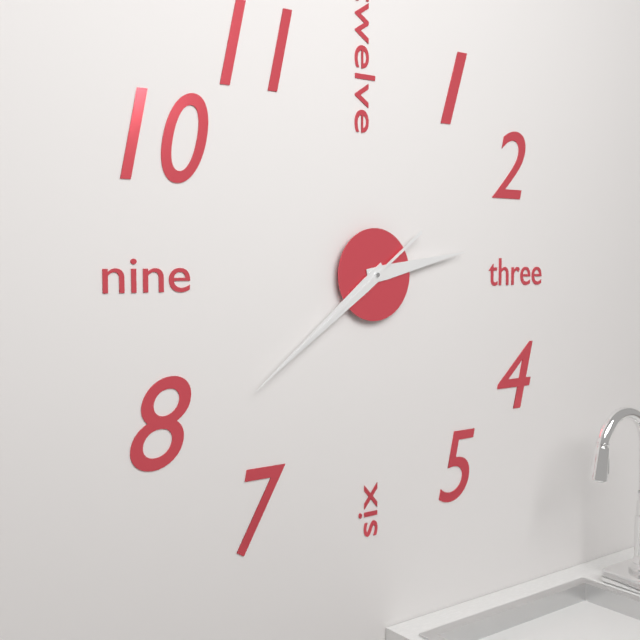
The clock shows 2.39.39
